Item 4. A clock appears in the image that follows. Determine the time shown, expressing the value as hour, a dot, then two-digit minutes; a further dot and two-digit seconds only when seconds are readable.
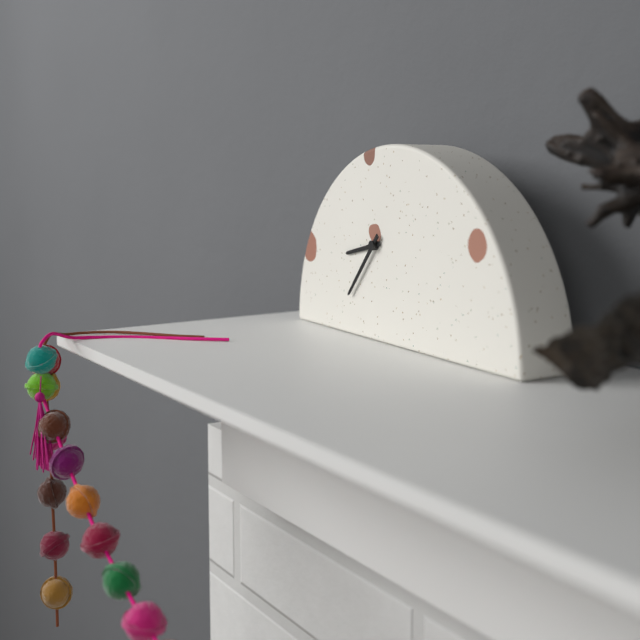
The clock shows 8.37
